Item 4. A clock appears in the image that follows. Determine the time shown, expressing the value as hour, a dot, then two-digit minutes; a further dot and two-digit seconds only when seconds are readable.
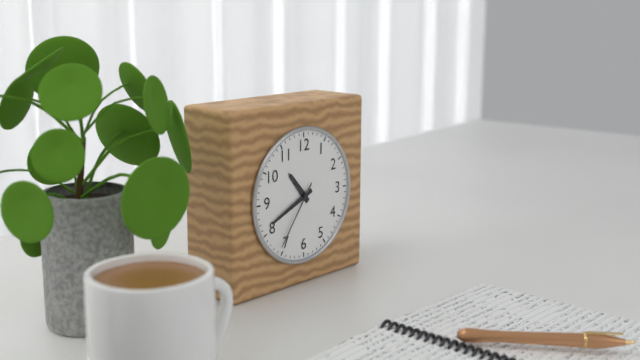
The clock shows 10.41.36
